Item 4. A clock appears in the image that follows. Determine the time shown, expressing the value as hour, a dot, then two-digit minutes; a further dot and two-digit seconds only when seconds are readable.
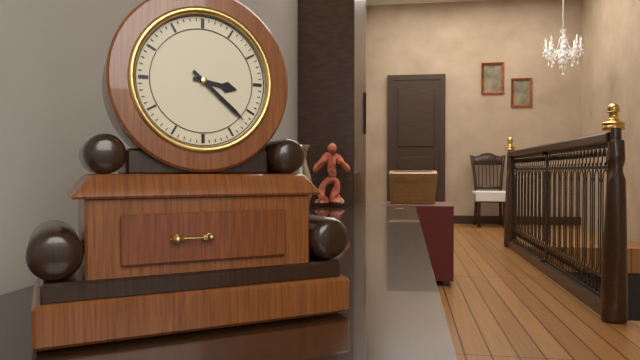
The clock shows 3.22
